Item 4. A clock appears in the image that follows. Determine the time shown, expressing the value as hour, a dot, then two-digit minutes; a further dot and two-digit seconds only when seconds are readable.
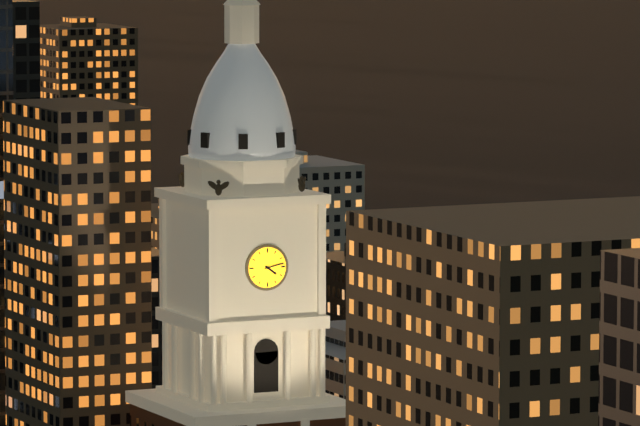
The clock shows 4.13
